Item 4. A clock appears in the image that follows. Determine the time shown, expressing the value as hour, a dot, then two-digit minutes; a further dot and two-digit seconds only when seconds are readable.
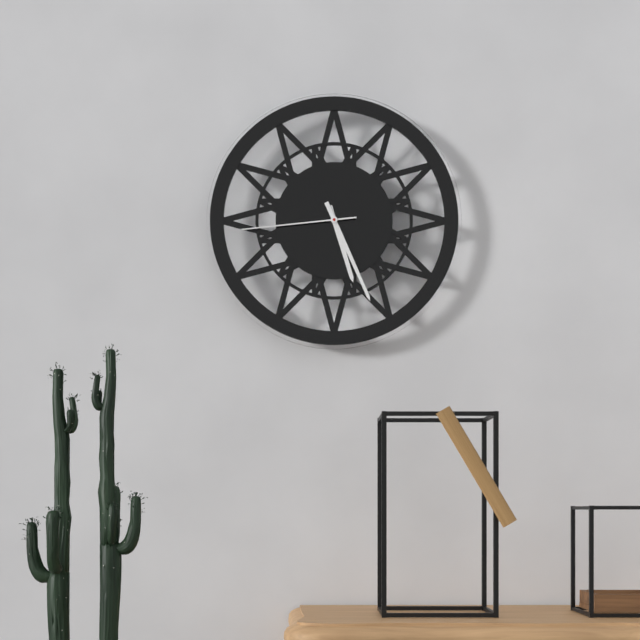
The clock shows 5.26.44
